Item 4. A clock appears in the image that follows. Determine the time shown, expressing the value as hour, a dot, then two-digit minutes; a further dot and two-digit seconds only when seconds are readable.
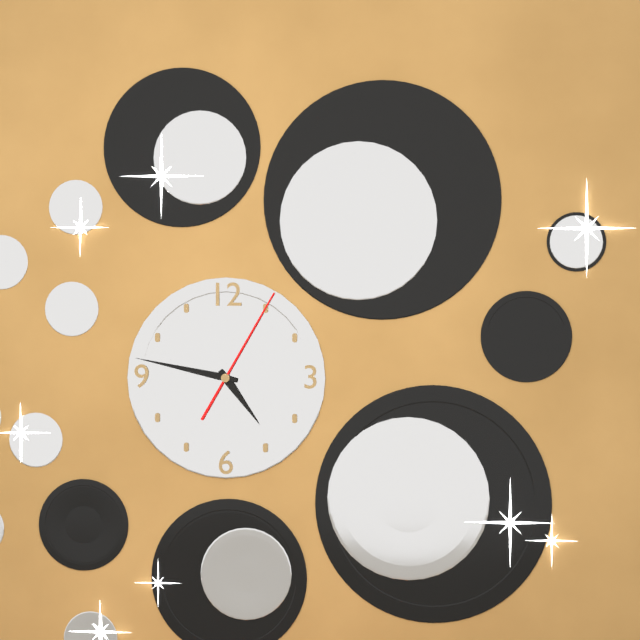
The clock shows 4.47.05
